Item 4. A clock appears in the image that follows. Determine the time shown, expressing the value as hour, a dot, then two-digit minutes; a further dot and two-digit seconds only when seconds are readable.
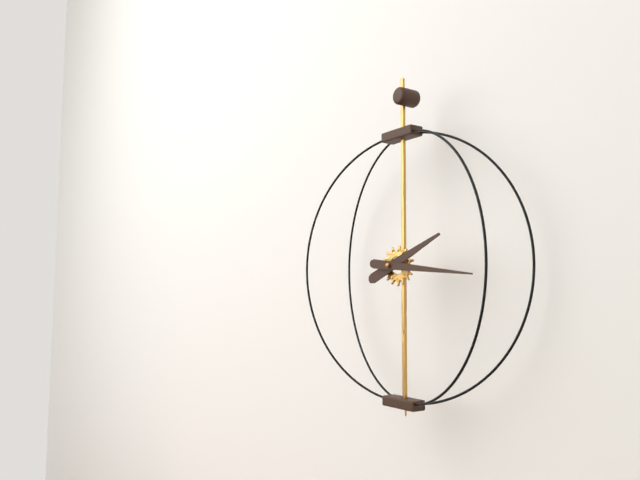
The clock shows 2.16
